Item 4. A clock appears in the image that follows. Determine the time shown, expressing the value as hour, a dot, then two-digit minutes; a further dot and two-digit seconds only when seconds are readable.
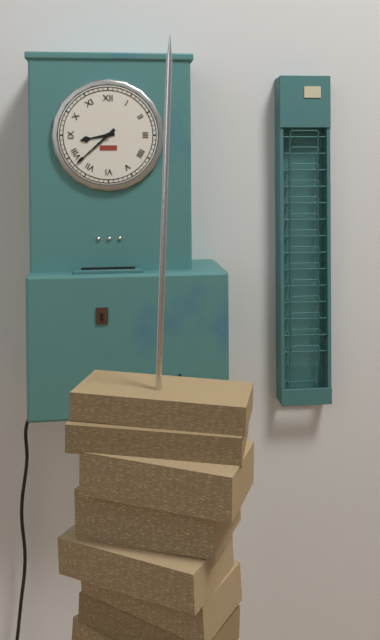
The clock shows 8.38
